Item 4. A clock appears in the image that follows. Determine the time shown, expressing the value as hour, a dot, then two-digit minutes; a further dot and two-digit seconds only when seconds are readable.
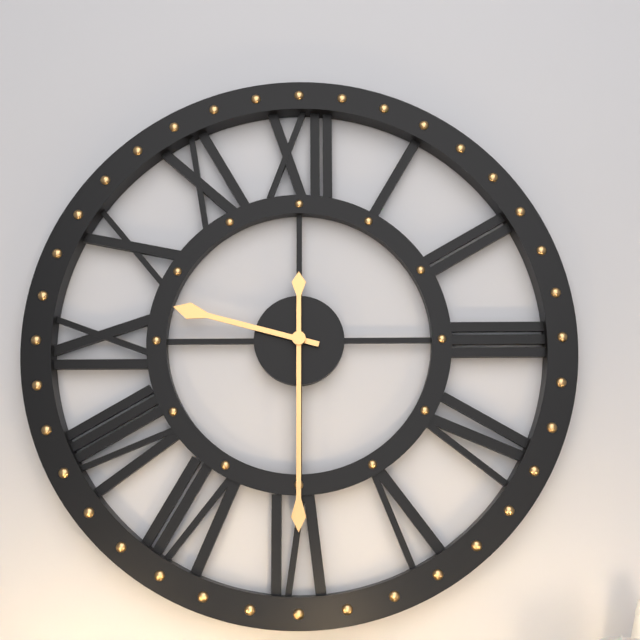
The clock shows 9.30
